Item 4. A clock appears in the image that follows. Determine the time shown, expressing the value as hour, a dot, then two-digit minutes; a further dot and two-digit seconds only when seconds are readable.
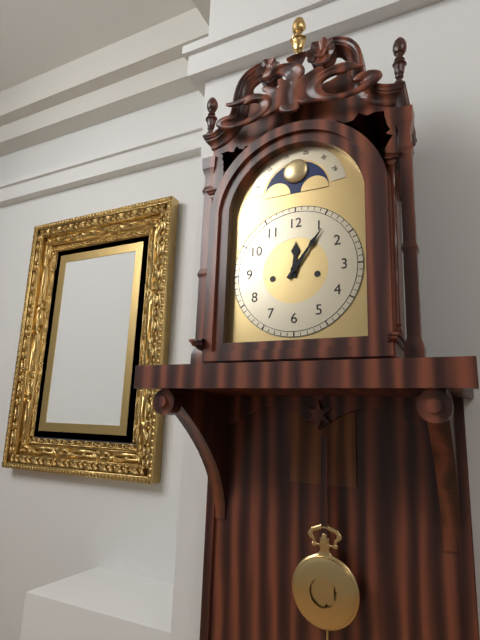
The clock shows 12.06
